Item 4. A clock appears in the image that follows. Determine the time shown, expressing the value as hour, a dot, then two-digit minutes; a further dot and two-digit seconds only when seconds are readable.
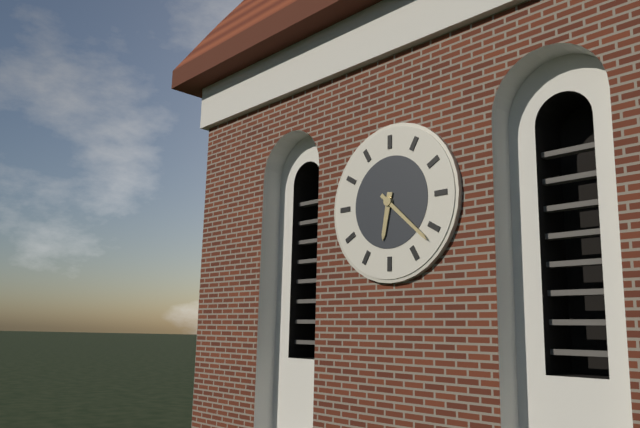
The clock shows 6.22
